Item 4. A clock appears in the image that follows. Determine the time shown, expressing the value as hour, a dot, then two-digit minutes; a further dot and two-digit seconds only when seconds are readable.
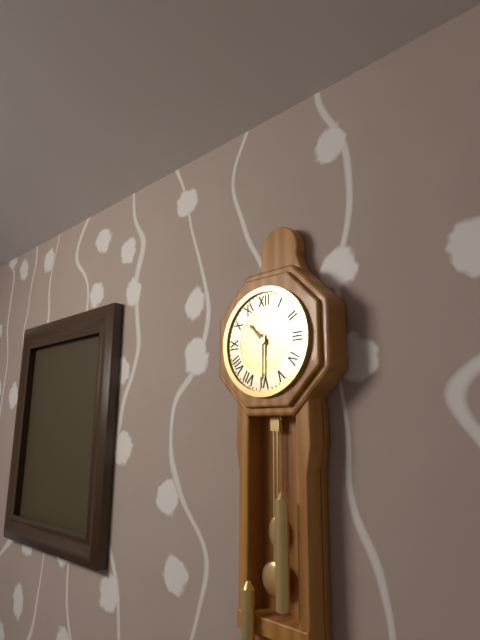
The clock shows 10.30
